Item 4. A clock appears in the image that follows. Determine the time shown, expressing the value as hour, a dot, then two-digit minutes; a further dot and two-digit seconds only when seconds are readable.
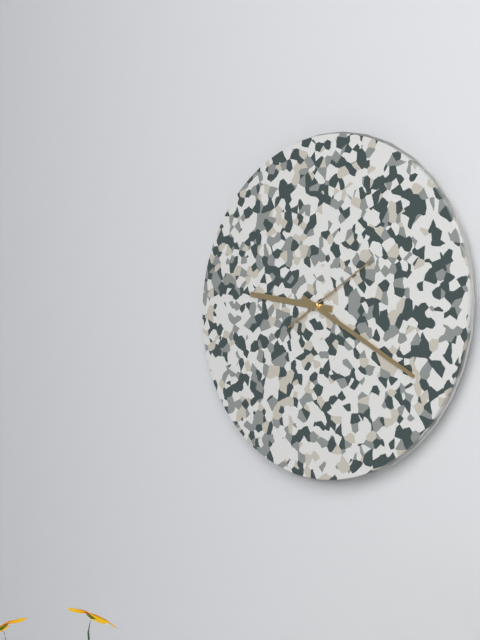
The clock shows 9.20.10
